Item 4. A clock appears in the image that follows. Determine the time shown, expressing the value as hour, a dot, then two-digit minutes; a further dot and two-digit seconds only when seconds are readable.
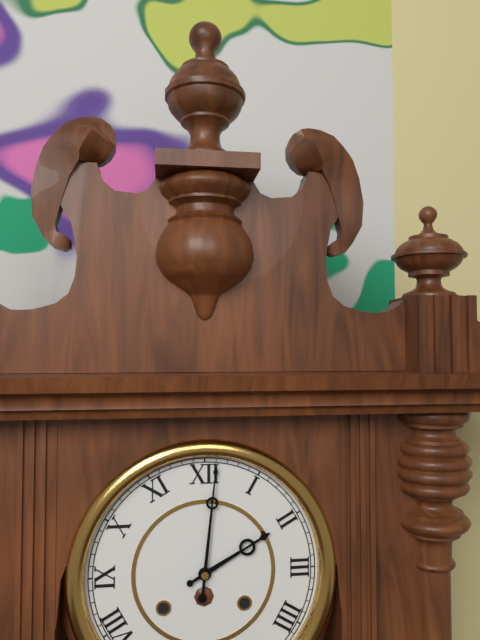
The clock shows 2.01
